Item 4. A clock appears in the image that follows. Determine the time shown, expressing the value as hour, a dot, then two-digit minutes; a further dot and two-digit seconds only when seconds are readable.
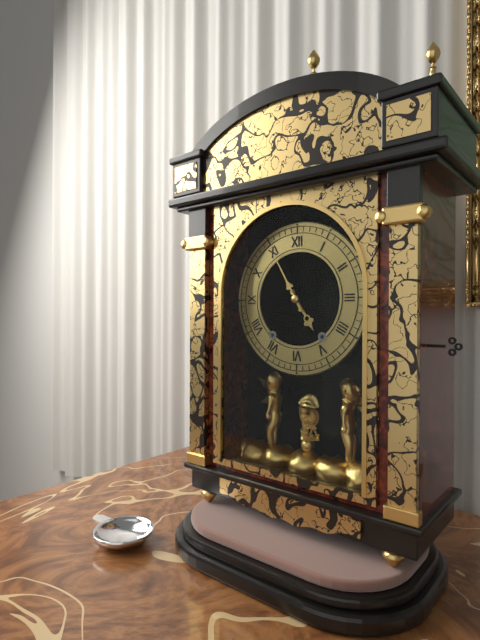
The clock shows 4.55
